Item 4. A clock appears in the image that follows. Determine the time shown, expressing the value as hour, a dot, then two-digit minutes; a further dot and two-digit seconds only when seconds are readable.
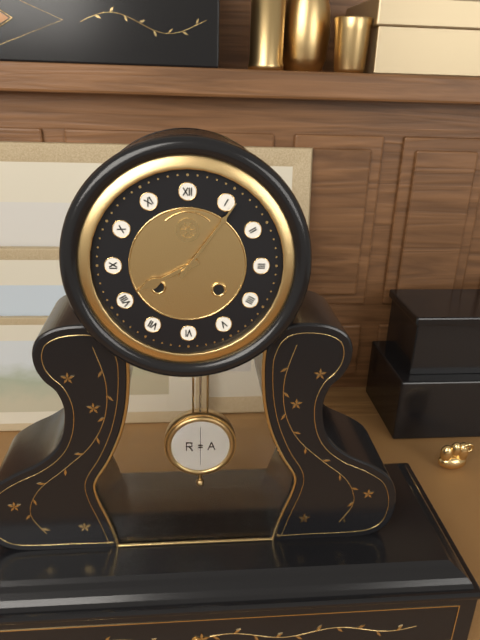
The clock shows 8.06
